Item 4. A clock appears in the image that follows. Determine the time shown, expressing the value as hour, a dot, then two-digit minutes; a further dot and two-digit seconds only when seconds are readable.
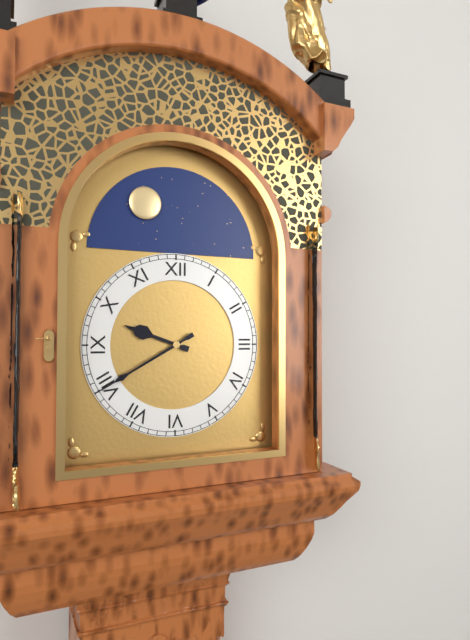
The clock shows 9.40
